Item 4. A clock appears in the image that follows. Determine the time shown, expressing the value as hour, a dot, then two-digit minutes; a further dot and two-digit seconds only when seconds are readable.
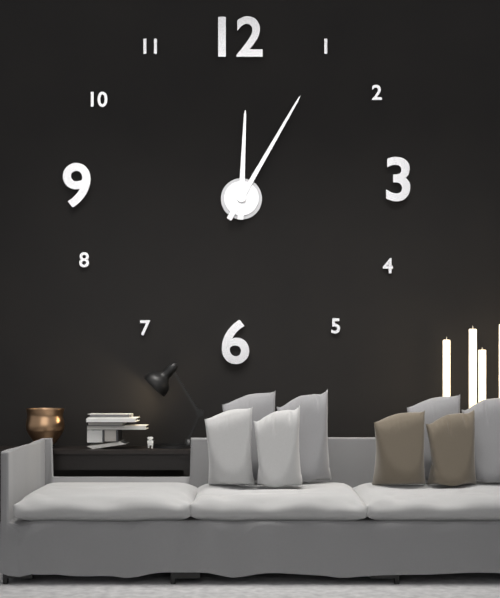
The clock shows 12.05
